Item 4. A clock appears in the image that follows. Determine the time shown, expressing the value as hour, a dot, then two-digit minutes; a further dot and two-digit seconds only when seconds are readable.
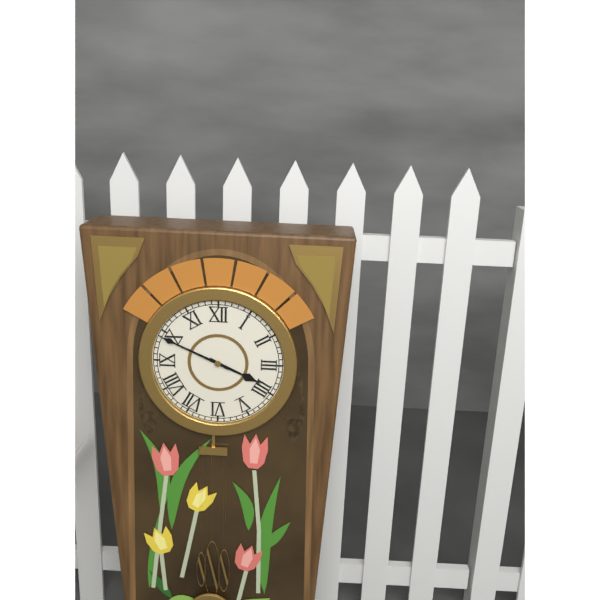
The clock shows 3.49
